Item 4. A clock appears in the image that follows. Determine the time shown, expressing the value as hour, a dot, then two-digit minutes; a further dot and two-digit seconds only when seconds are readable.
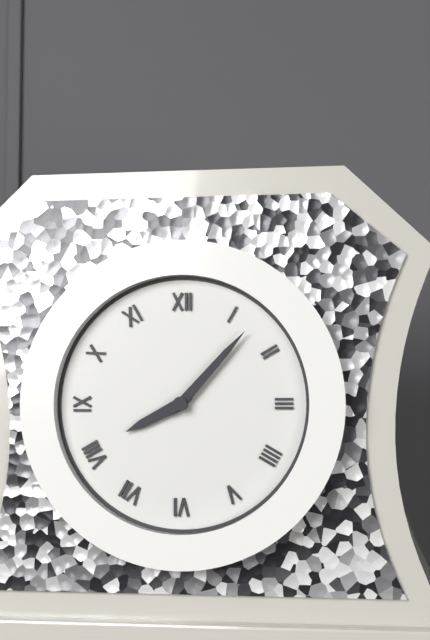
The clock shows 8.07
